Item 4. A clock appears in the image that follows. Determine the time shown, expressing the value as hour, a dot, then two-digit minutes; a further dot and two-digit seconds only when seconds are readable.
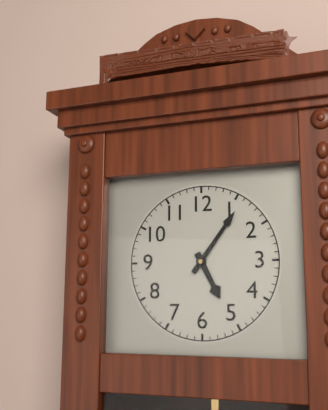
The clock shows 5.06
